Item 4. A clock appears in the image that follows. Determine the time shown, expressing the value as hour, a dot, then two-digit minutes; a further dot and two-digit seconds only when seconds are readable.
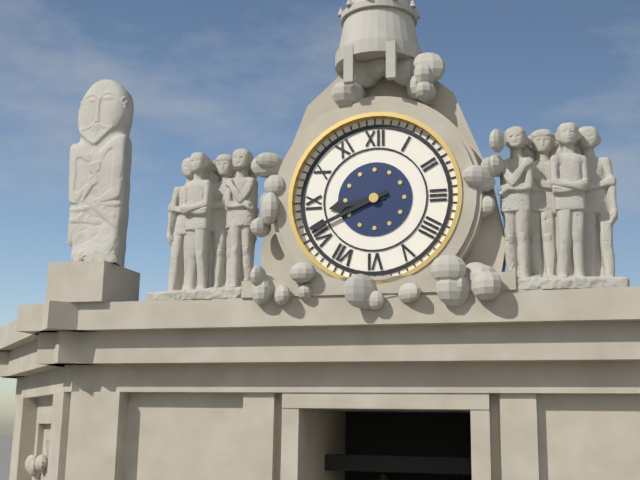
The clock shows 8.41
